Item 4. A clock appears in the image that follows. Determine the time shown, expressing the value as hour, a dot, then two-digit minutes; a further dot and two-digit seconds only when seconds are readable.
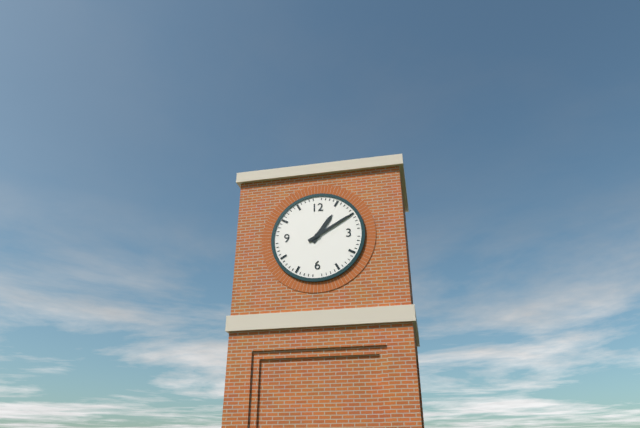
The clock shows 1.10
